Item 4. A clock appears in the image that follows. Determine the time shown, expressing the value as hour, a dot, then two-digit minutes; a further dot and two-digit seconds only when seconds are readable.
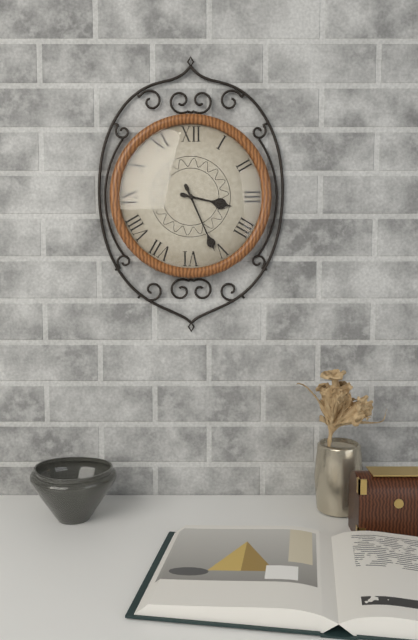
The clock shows 3.26
